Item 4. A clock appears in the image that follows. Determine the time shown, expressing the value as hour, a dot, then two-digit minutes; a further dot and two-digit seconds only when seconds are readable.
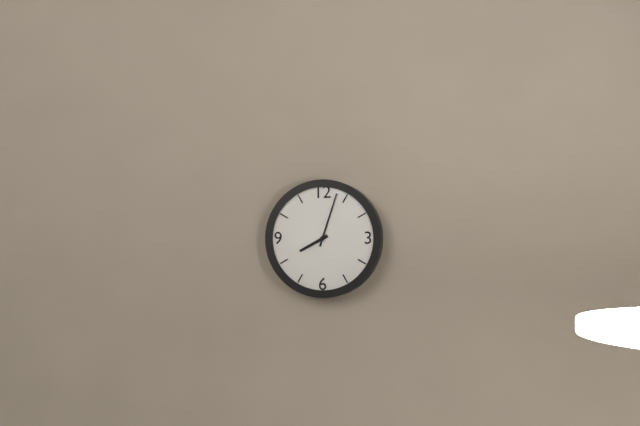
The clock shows 8.03
